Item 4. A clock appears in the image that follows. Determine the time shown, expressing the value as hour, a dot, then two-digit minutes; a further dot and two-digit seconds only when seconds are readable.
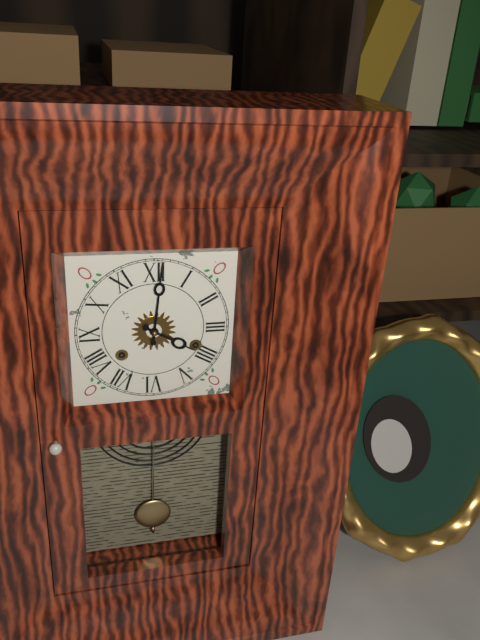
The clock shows 4.01
